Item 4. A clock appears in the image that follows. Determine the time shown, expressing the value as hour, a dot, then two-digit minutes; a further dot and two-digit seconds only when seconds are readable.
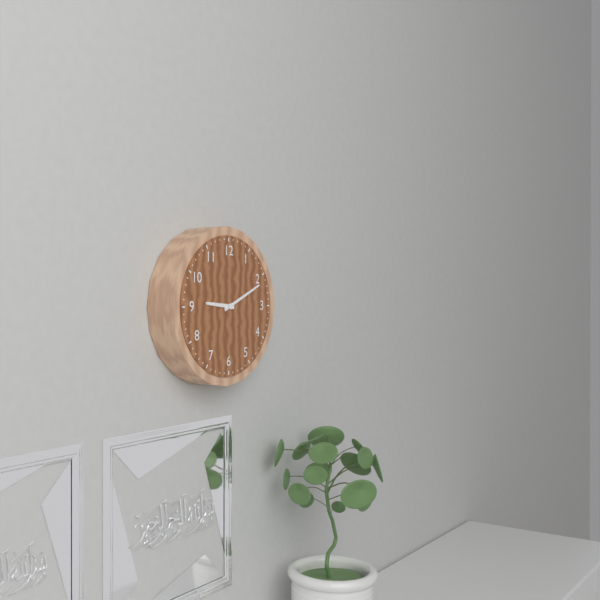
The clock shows 9.11
